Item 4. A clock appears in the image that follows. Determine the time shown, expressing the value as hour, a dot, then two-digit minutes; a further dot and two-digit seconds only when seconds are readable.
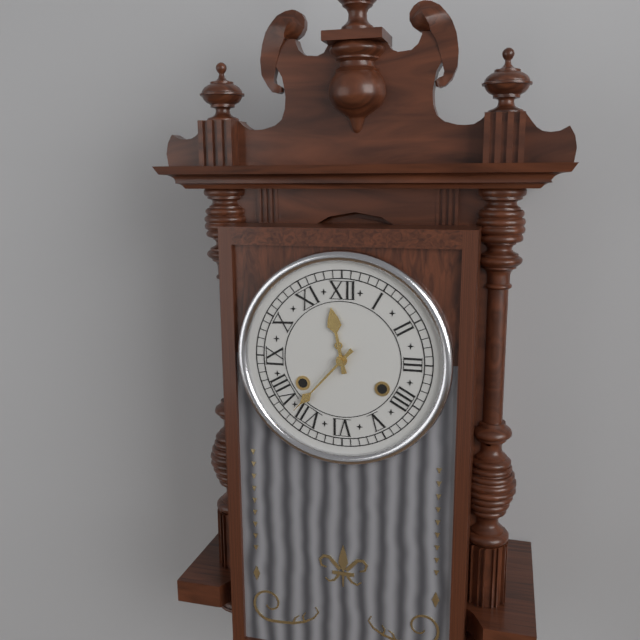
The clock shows 11.37
